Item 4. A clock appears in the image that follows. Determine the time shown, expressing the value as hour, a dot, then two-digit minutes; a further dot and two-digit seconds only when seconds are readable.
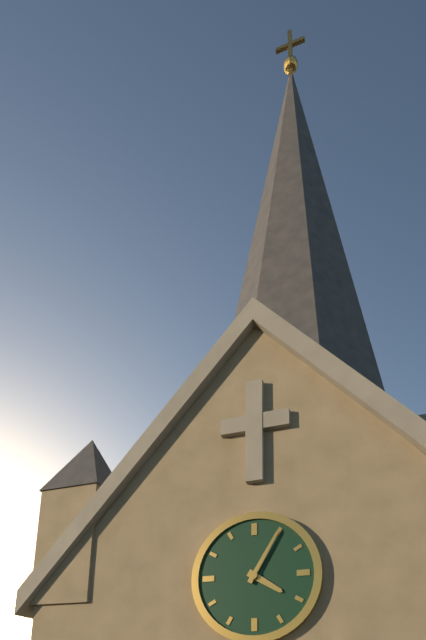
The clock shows 4.05
